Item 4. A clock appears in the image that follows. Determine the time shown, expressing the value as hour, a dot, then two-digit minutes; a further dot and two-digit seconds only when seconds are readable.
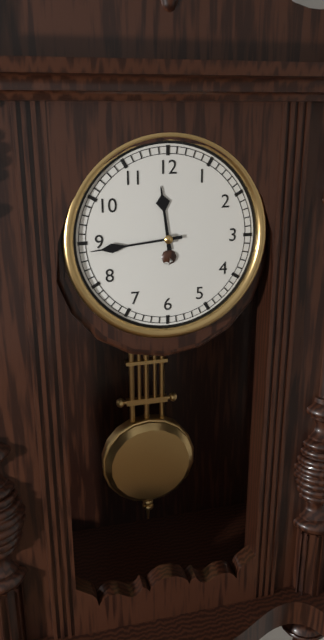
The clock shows 11.44
